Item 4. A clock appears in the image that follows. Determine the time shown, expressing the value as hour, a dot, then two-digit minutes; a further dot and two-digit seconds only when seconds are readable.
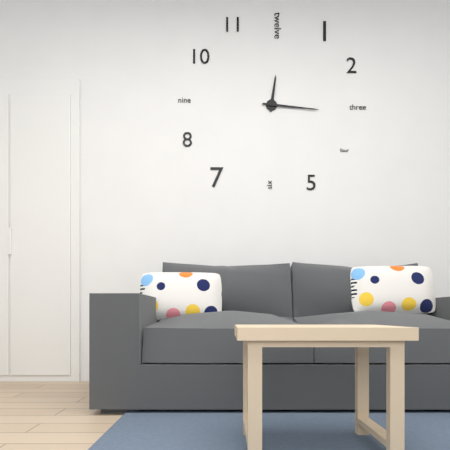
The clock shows 12.16
